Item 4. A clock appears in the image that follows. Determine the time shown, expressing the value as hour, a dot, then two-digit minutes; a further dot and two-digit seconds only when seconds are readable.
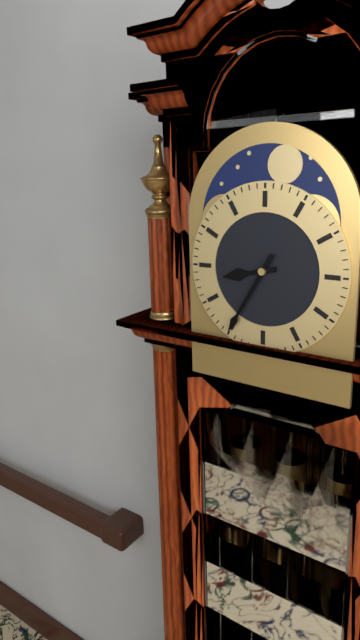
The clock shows 8.35
